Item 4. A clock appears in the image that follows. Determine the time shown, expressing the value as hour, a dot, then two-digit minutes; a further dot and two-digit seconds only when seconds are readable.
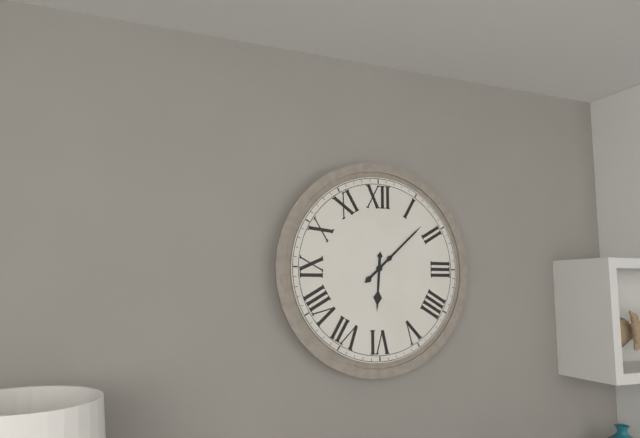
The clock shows 6.08
